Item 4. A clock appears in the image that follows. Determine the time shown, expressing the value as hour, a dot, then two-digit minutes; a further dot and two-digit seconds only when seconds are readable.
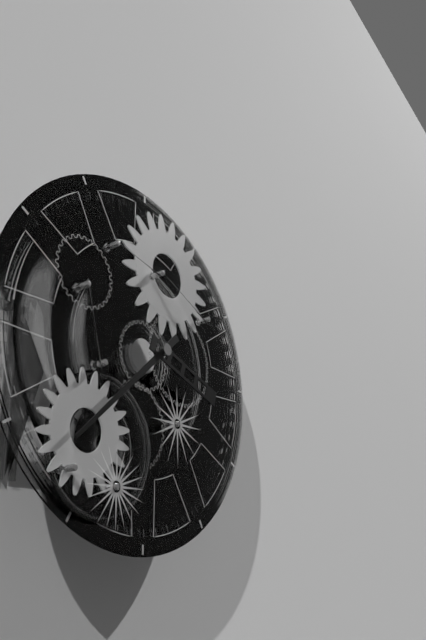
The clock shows 3.38
